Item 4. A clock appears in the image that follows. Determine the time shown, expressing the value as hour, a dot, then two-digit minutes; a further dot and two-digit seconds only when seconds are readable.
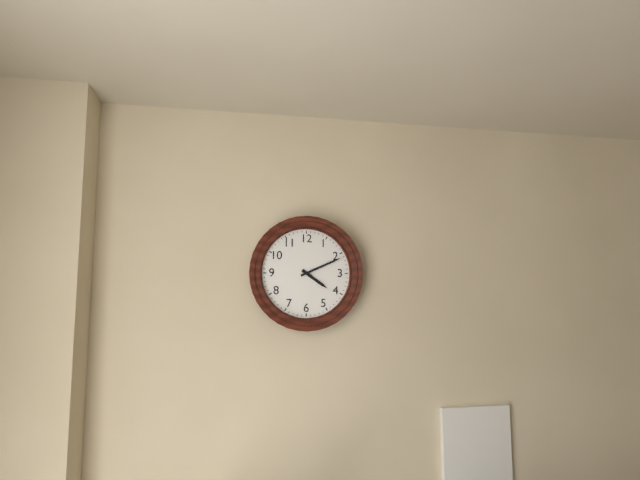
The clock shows 4.11
